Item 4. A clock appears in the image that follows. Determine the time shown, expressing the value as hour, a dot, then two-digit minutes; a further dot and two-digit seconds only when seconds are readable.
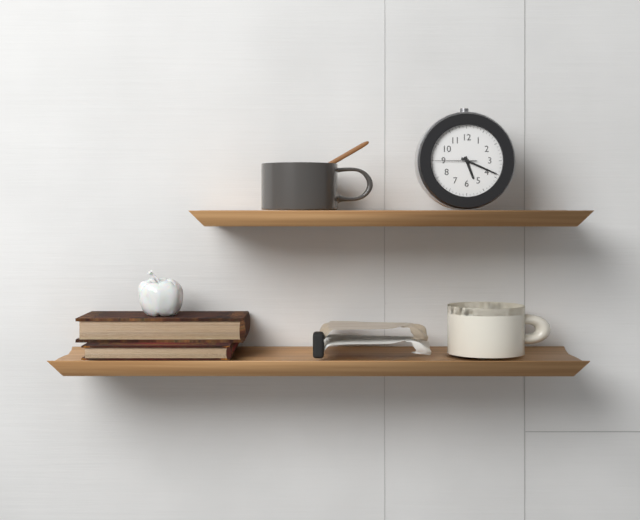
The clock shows 5.19
